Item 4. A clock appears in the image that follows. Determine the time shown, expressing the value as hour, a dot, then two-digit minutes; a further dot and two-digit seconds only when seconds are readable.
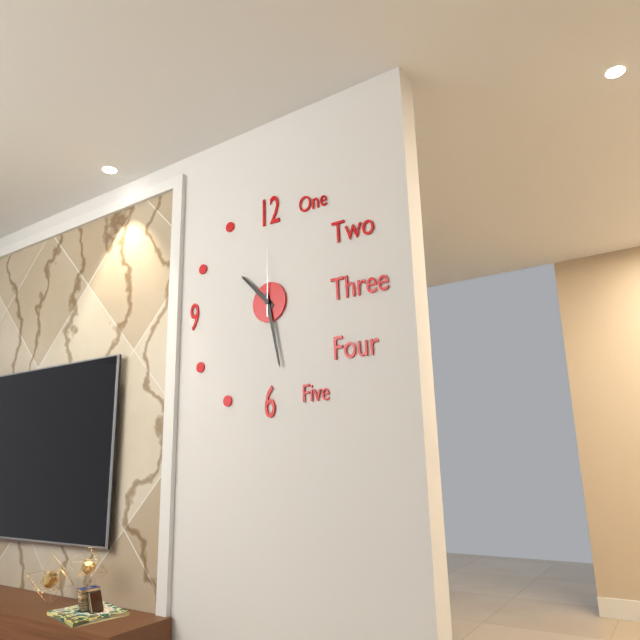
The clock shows 10.28.00
